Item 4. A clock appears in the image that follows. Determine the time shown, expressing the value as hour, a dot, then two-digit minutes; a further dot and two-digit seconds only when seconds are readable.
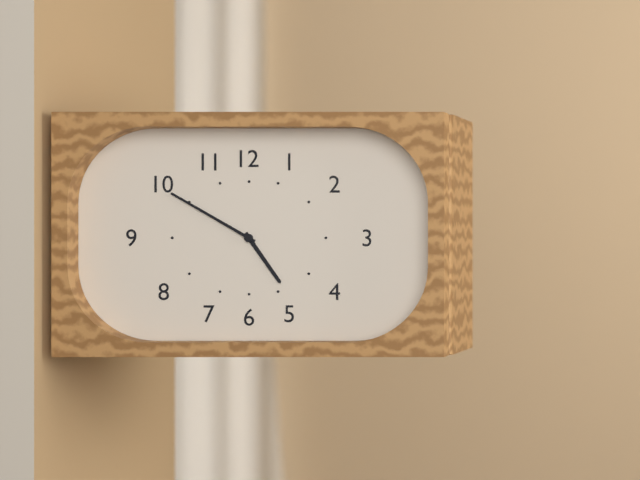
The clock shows 4.50
